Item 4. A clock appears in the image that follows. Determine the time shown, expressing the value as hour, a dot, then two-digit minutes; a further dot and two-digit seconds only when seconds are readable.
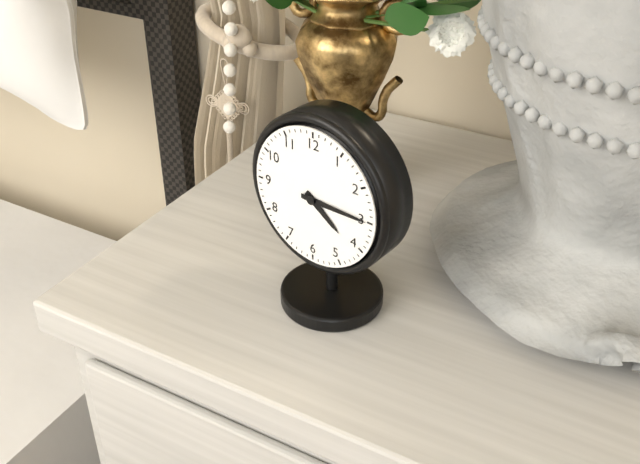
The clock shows 4.15
